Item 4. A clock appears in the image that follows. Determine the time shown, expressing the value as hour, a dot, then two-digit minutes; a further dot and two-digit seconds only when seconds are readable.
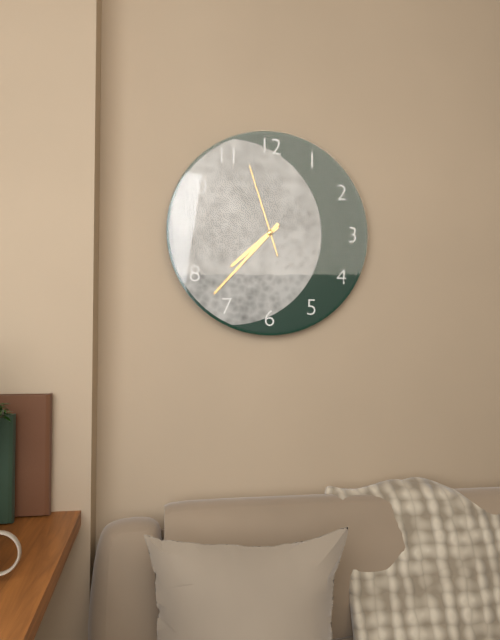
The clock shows 7.37.57
